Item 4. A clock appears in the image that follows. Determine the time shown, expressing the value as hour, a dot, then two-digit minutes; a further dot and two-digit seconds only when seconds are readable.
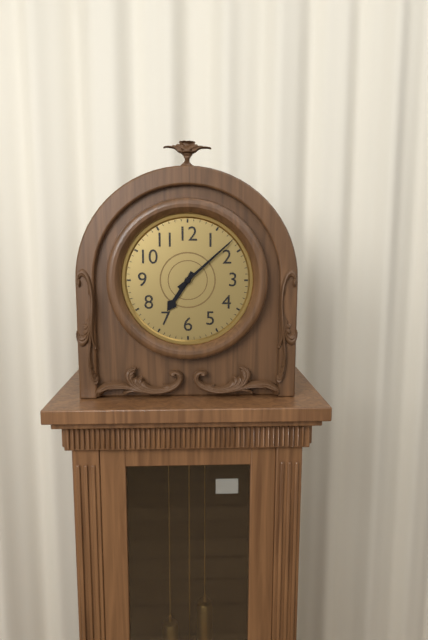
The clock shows 7.08
